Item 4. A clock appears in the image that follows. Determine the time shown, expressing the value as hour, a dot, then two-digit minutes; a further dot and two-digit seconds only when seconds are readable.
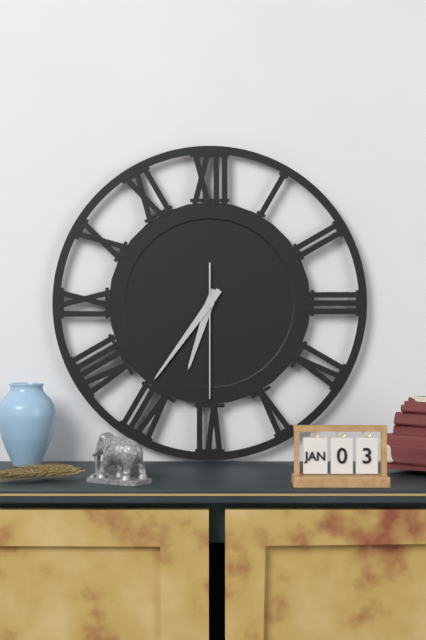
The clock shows 6.36.30
